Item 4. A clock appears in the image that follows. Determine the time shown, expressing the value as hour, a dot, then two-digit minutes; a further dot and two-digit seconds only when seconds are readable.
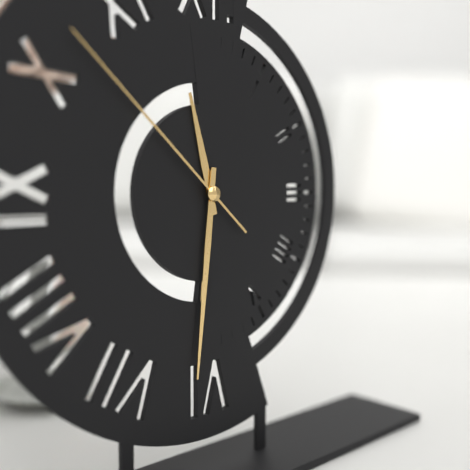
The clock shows 11.31.52
